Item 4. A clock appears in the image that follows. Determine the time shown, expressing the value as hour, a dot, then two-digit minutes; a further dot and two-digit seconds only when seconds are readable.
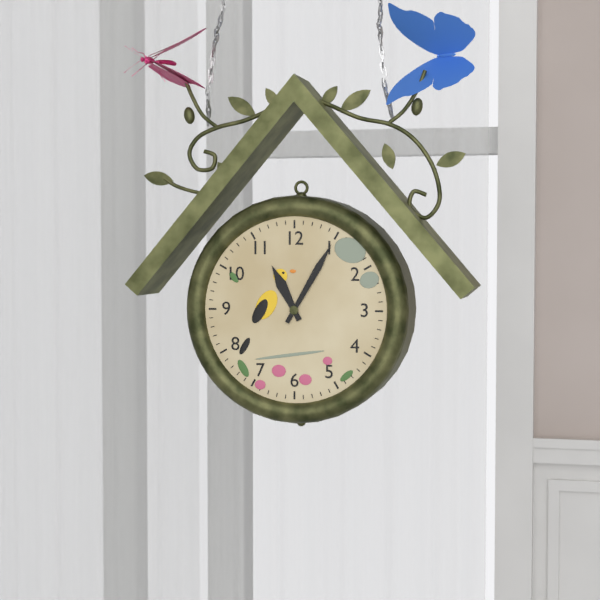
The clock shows 11.05
